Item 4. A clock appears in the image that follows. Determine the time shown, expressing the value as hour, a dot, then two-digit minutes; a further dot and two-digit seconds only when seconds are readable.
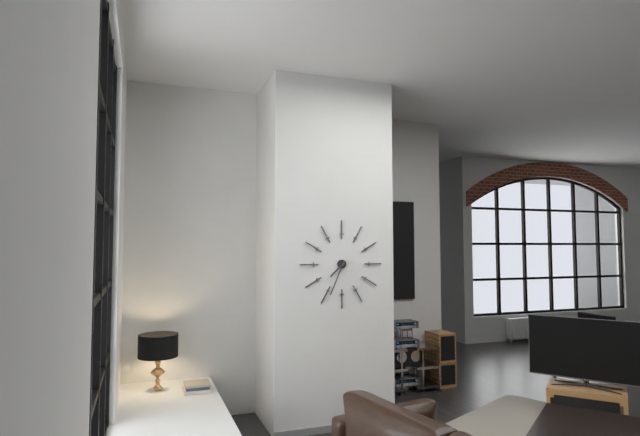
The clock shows 7.34
